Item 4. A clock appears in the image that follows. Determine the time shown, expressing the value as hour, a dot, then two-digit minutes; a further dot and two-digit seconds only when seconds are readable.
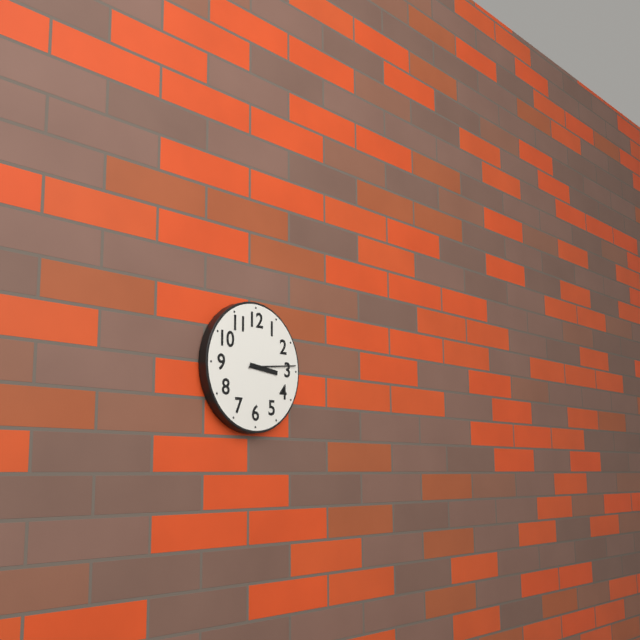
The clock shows 3.14
